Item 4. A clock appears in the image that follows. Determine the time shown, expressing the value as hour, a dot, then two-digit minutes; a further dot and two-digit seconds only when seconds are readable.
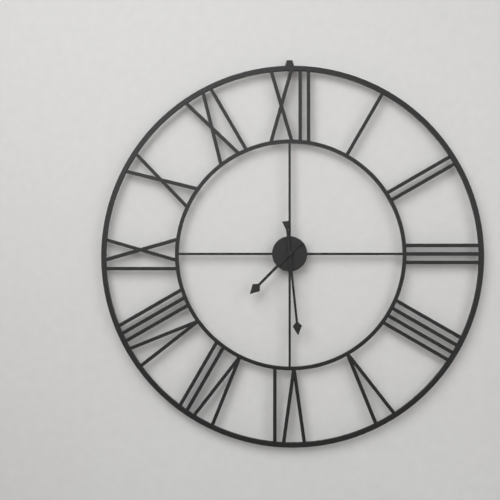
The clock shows 7.29
